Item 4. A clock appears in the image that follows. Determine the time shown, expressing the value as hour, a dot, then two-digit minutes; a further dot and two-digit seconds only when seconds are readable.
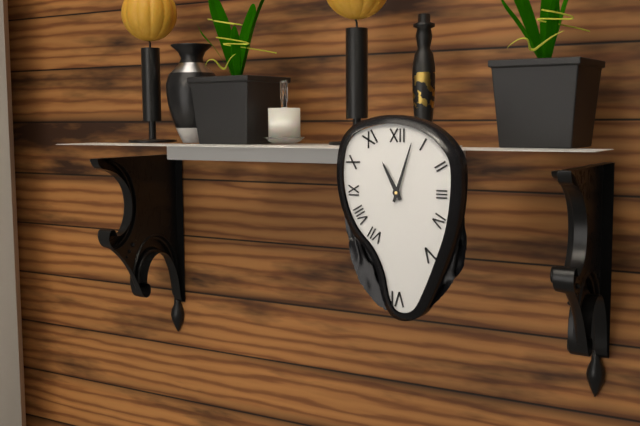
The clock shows 11.03
